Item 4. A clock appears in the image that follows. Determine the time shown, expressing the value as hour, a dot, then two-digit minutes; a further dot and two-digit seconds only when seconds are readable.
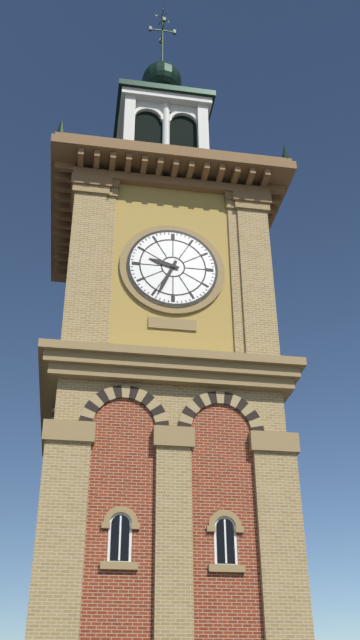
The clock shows 9.34
